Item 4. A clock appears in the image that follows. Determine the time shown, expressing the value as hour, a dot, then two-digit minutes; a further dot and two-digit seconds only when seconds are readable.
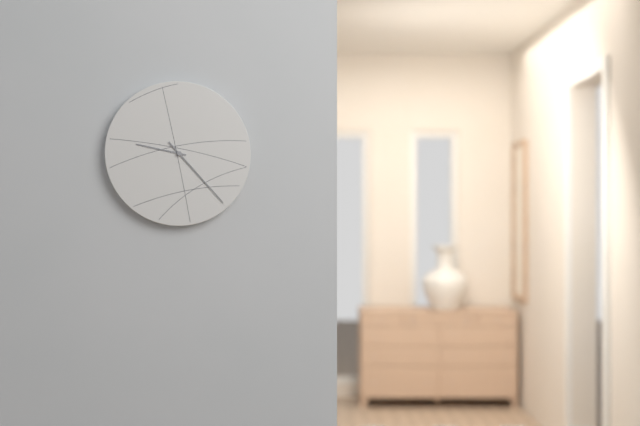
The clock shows 9.23
